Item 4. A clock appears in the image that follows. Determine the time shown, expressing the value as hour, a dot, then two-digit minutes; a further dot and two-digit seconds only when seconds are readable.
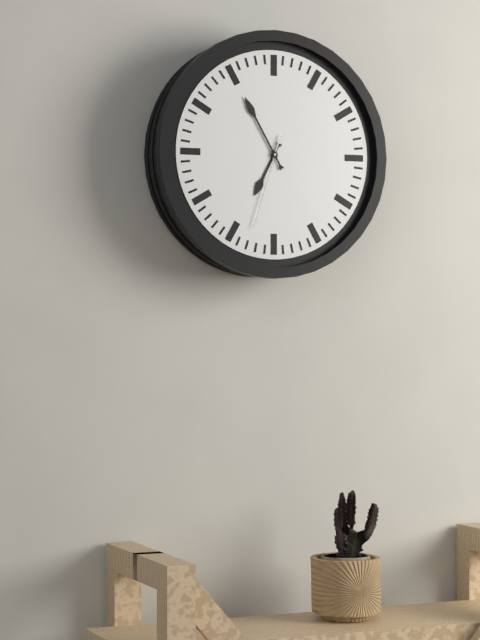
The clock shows 6.55.33
